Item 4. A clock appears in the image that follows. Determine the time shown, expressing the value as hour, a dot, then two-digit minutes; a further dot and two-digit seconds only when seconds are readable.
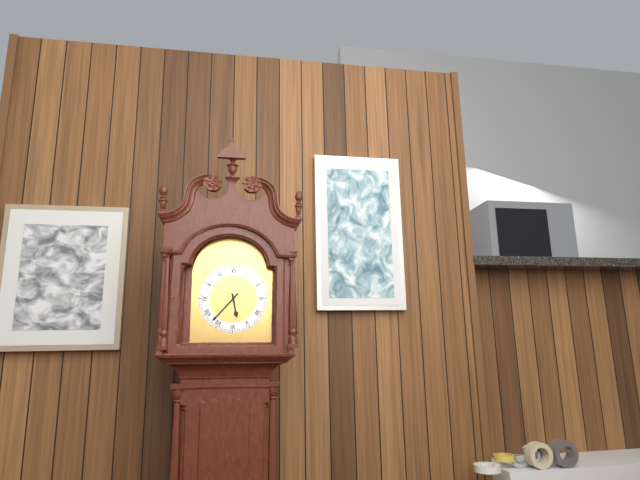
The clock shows 5.37
